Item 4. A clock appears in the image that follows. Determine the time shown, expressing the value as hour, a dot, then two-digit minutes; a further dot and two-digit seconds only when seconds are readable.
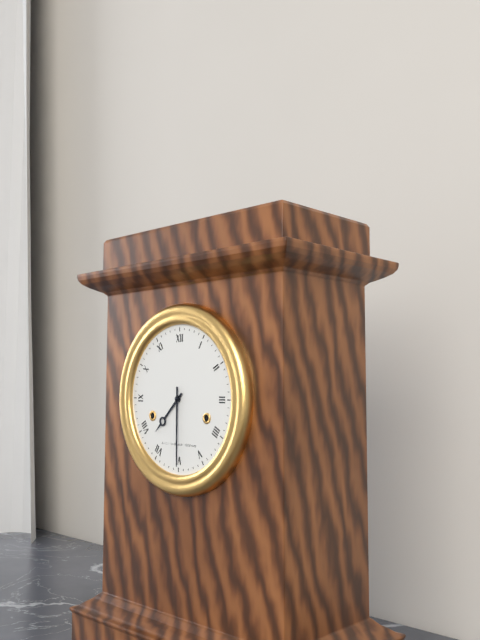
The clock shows 7.30
